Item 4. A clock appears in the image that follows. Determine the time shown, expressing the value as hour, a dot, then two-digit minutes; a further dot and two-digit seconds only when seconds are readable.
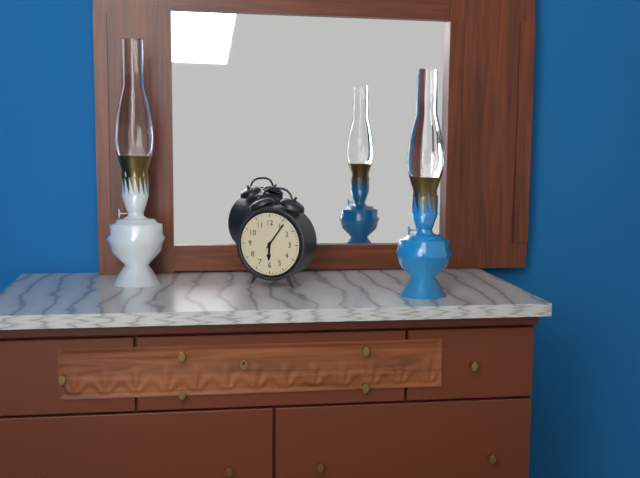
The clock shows 6.06
